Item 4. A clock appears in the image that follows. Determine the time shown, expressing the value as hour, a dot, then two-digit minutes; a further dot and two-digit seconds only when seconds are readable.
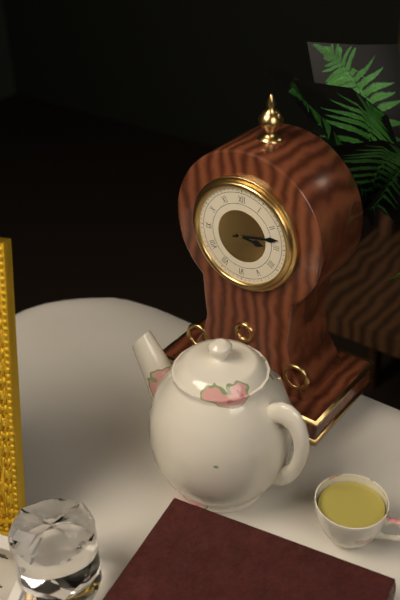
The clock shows 3.13
